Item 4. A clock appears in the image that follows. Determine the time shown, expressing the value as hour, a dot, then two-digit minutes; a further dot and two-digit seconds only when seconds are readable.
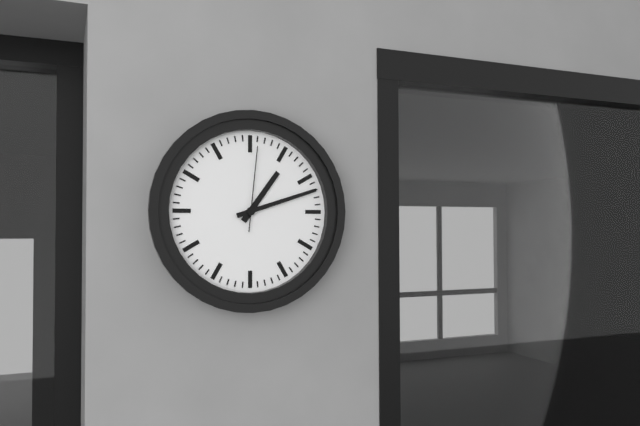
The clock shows 1.12.01
